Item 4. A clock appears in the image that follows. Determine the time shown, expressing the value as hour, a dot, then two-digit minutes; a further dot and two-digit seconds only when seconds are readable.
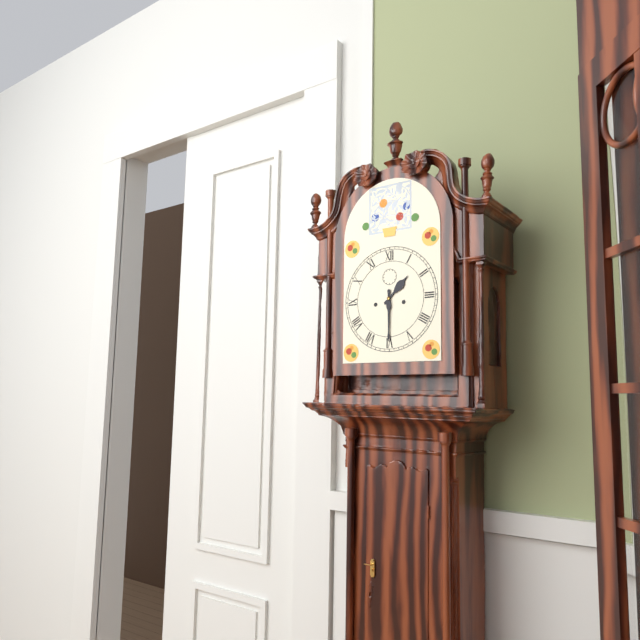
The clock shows 1.30
